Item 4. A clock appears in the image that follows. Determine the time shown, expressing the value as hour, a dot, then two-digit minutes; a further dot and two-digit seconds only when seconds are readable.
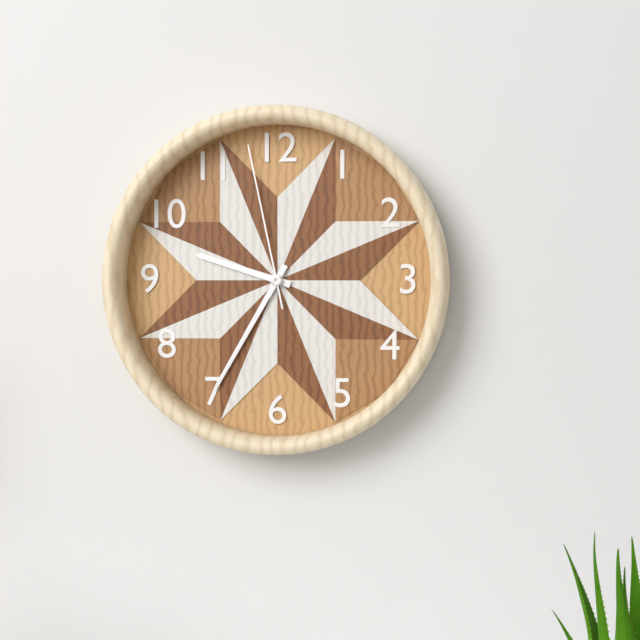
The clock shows 9.35.58
